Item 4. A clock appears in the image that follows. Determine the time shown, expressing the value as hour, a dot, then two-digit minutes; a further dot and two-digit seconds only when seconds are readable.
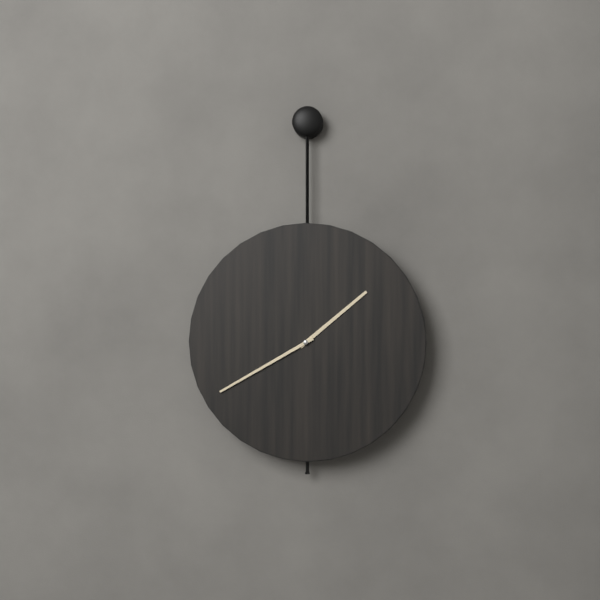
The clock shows 1.40
